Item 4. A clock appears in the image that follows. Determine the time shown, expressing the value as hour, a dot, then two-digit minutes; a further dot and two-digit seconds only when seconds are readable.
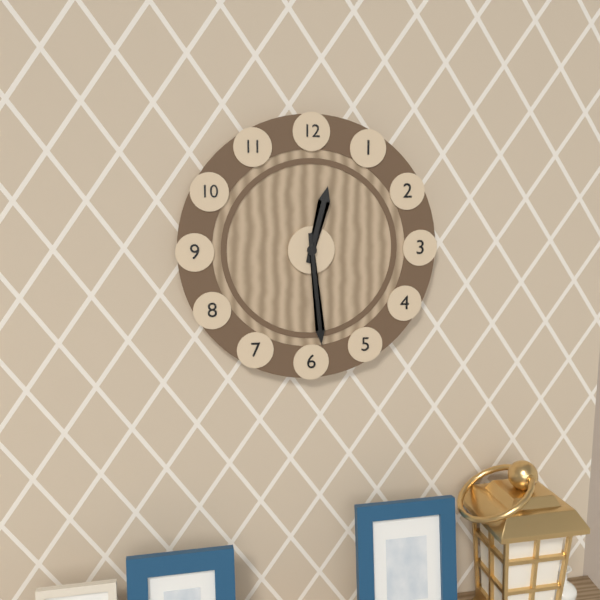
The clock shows 12.29
